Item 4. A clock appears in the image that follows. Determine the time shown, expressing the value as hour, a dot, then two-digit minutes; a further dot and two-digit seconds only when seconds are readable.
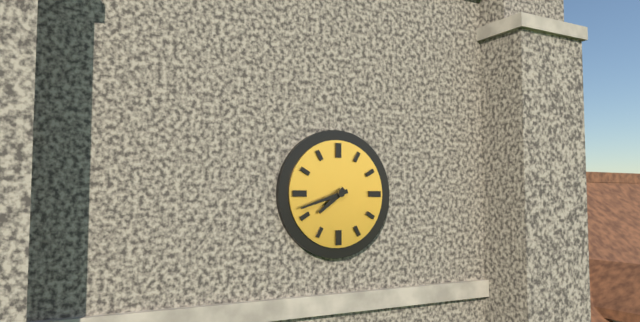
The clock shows 7.42
